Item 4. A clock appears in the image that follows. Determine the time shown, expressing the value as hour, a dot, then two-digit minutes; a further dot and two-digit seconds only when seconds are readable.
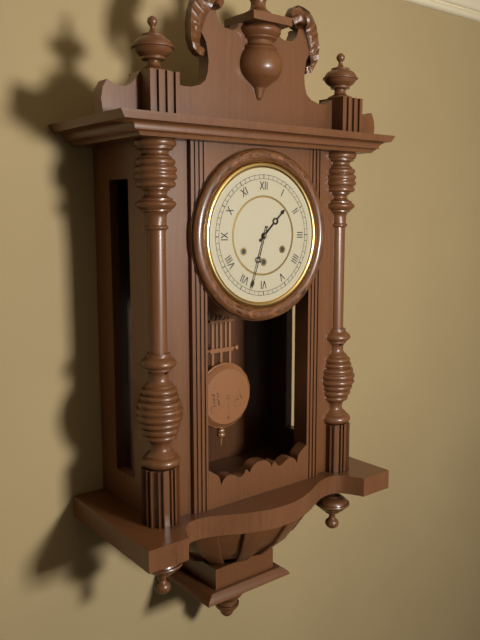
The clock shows 1.33
